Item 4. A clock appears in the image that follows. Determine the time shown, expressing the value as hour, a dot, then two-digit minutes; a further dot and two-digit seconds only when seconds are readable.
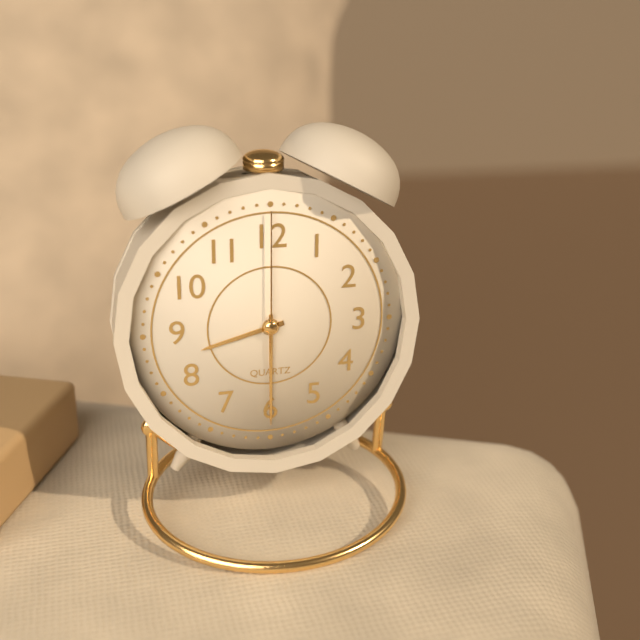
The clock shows 8.30.00
